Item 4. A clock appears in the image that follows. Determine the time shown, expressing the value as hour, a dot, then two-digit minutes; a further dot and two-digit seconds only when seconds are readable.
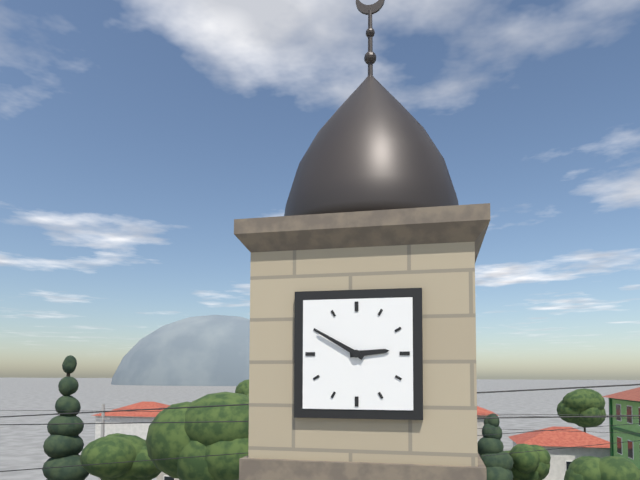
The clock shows 2.50
